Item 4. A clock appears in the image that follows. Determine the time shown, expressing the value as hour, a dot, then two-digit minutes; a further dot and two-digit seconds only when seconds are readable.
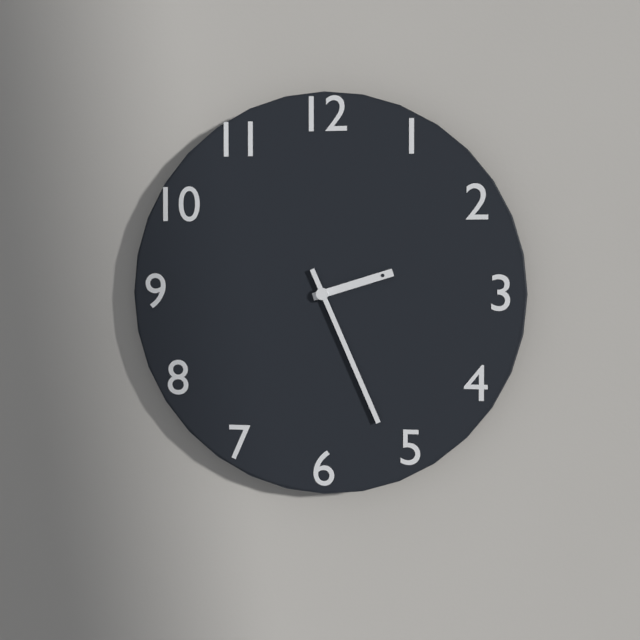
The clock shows 2.26
